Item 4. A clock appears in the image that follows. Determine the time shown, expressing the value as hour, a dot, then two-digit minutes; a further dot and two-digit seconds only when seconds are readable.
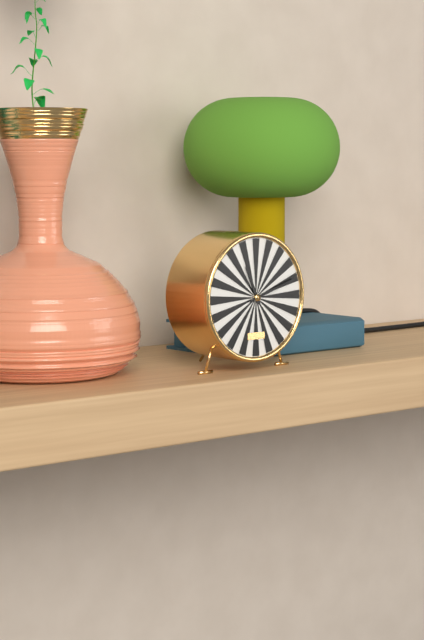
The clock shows 11.12
